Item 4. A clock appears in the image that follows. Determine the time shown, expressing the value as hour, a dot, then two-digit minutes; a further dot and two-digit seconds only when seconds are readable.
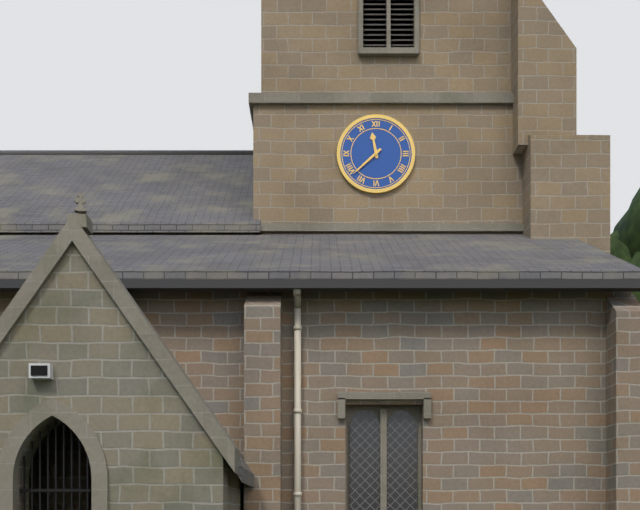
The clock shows 11.38
